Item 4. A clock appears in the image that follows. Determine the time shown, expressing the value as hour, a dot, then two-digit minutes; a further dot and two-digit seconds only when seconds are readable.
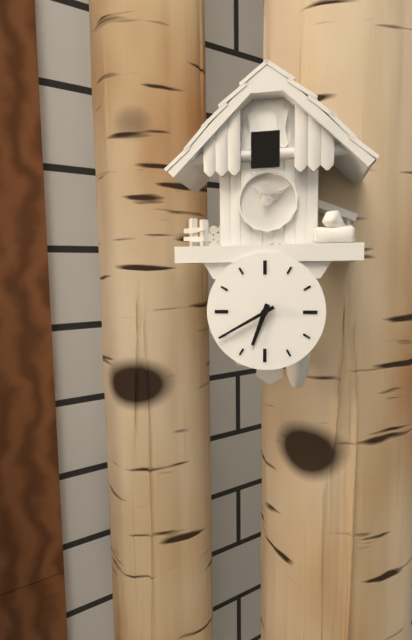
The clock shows 6.40
